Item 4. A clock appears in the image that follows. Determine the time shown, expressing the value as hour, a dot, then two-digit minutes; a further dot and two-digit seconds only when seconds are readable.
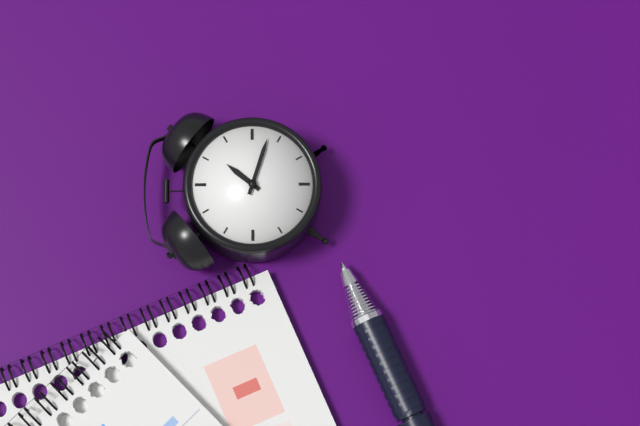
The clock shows 1.18
